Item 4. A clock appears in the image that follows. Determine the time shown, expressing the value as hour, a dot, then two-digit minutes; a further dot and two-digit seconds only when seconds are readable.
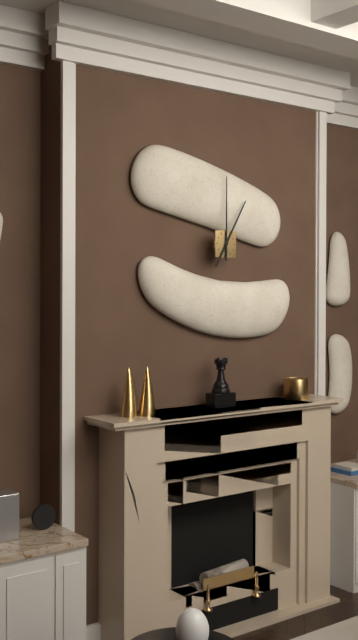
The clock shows 1.00
